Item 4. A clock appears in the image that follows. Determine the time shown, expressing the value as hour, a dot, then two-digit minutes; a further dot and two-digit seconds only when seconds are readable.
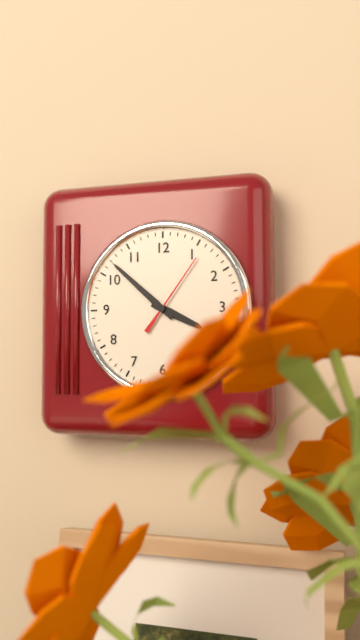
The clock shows 3.52.06
